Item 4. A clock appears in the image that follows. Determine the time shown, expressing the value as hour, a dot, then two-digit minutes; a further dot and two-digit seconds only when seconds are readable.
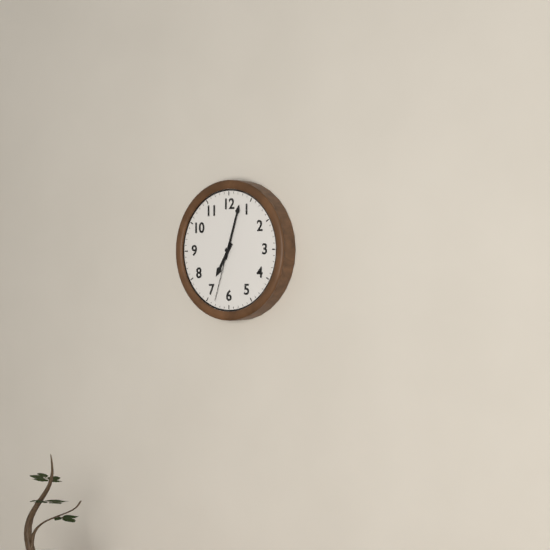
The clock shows 7.03.33
